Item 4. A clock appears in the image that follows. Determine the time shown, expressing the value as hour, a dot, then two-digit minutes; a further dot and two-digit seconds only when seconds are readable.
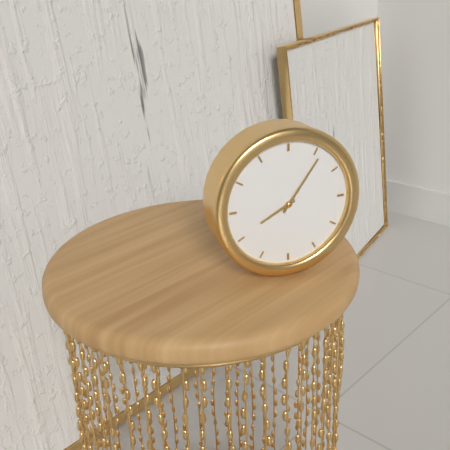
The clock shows 8.06
